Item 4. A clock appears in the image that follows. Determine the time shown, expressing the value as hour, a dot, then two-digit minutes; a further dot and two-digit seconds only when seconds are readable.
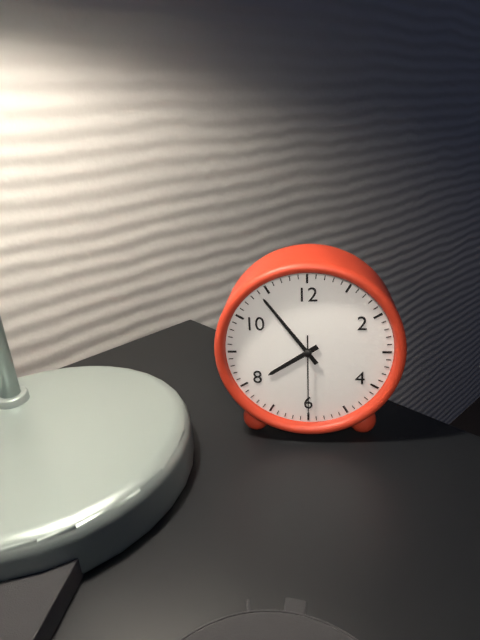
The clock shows 7.54.30
